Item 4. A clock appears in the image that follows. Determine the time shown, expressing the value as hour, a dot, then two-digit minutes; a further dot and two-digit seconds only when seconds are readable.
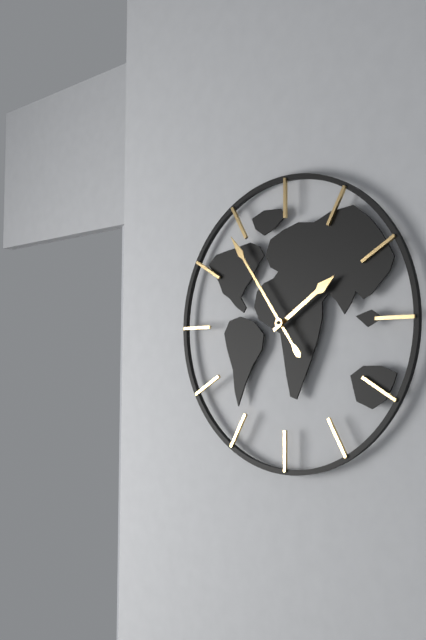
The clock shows 1.54
